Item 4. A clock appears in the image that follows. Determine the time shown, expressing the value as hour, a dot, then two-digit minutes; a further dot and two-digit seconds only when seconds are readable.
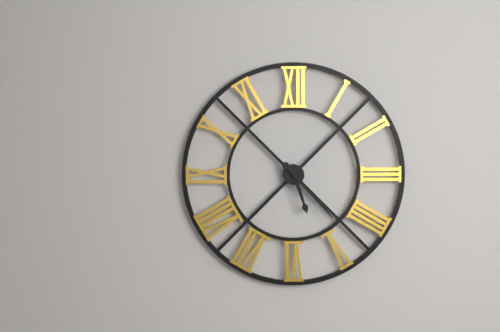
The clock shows 5.23
